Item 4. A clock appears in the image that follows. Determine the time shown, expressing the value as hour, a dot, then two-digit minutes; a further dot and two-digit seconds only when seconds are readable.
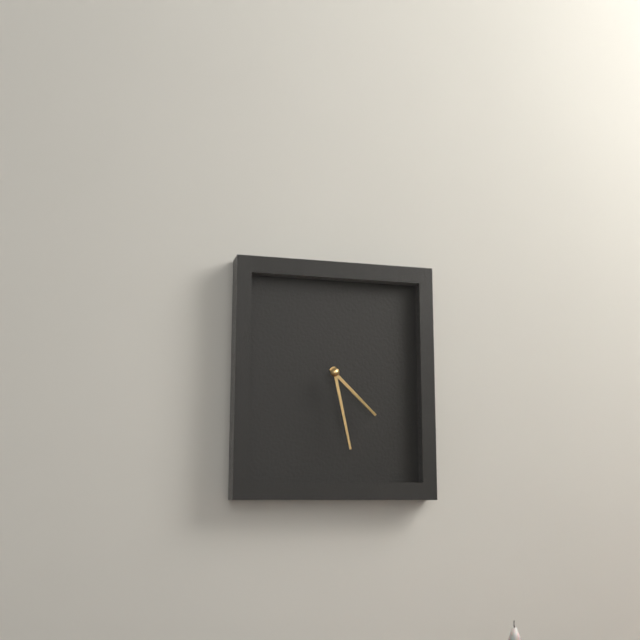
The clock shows 4.28
